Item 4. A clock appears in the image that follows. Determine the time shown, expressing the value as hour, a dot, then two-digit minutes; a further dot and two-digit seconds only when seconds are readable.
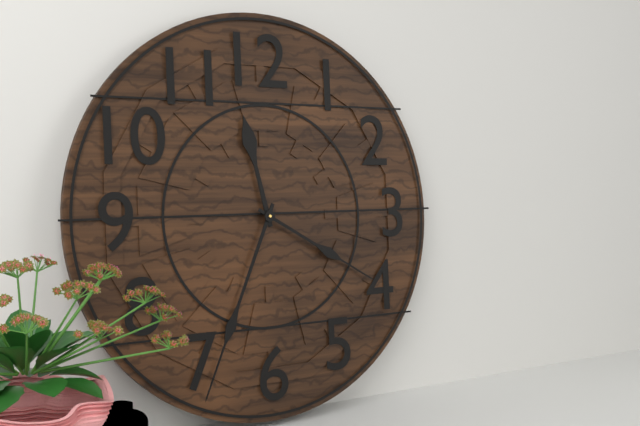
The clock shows 11.34.20
